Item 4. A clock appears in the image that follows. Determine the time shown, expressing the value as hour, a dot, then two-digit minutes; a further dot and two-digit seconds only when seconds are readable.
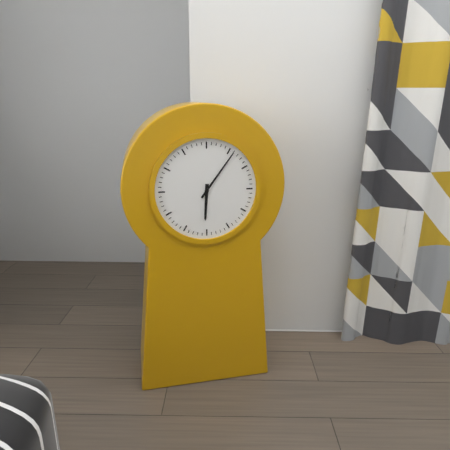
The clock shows 6.06
